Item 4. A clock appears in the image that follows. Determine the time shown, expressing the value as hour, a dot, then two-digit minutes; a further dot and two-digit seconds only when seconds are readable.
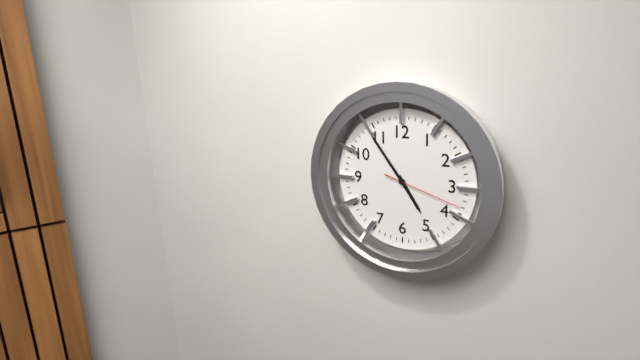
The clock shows 4.54.18
